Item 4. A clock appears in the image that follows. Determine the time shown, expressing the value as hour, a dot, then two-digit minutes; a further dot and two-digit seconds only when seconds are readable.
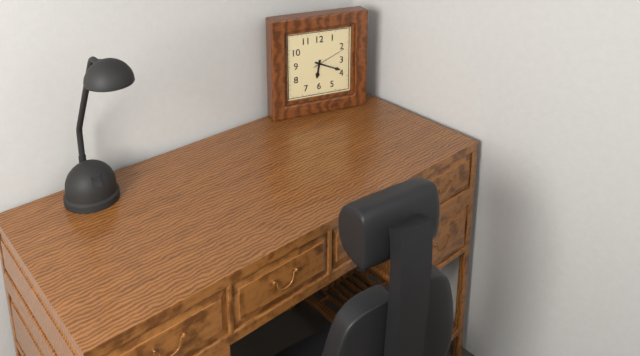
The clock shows 6.19
